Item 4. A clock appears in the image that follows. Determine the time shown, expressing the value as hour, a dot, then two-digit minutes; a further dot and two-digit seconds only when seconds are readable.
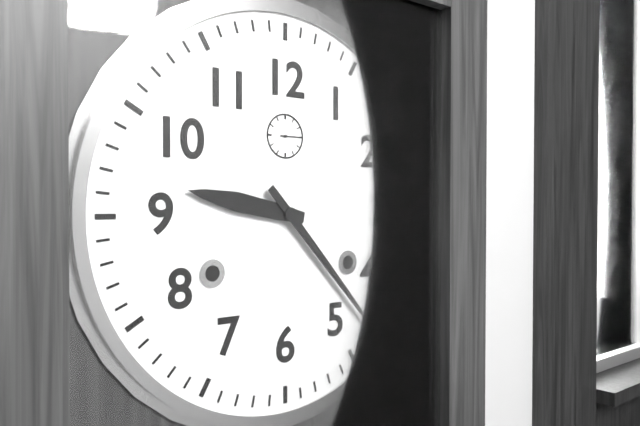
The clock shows 9.23
